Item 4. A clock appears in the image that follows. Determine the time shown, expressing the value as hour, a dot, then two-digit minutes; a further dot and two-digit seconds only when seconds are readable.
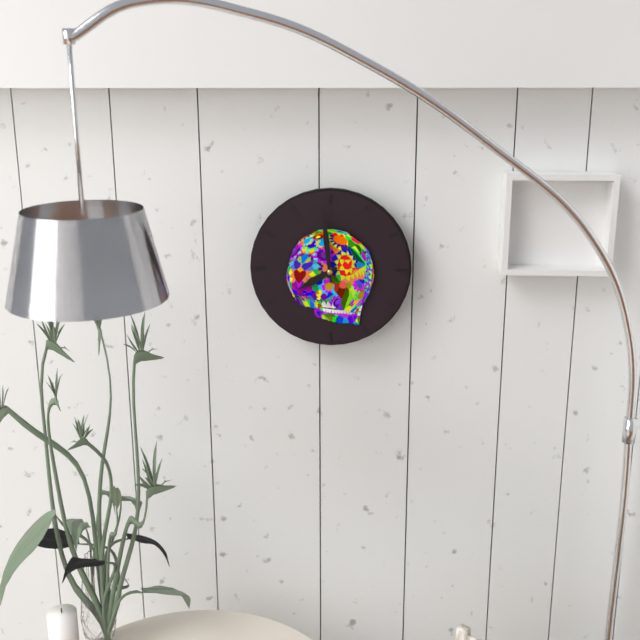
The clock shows 7.59
